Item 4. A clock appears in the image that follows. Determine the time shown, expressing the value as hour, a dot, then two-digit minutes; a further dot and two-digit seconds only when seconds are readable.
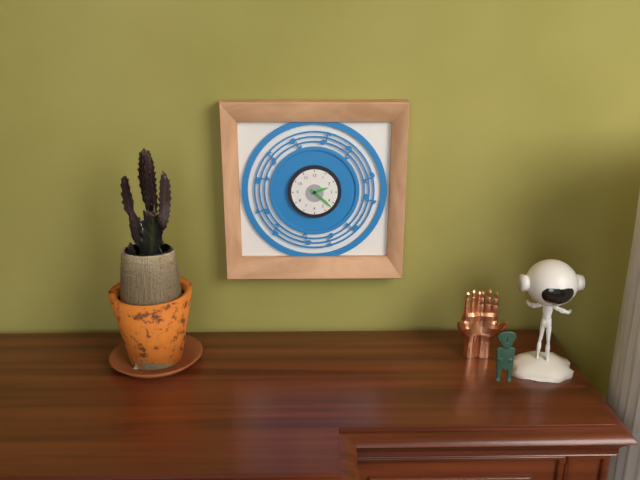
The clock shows 2.22
